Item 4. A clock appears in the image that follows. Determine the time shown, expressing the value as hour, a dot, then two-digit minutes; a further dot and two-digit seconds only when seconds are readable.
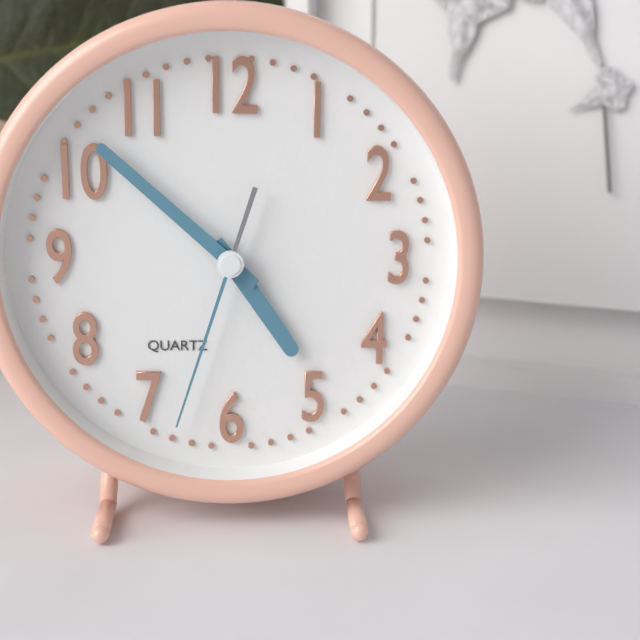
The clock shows 4.52.33
